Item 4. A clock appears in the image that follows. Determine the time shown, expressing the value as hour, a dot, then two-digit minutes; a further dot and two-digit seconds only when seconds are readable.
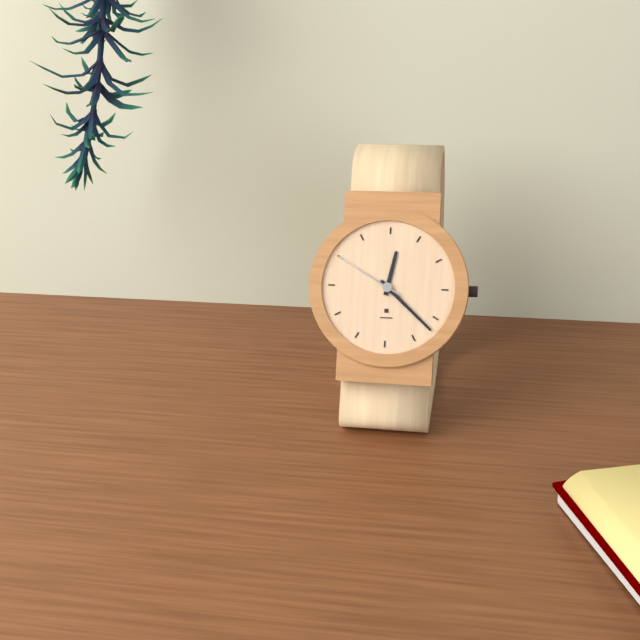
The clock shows 12.22.50
